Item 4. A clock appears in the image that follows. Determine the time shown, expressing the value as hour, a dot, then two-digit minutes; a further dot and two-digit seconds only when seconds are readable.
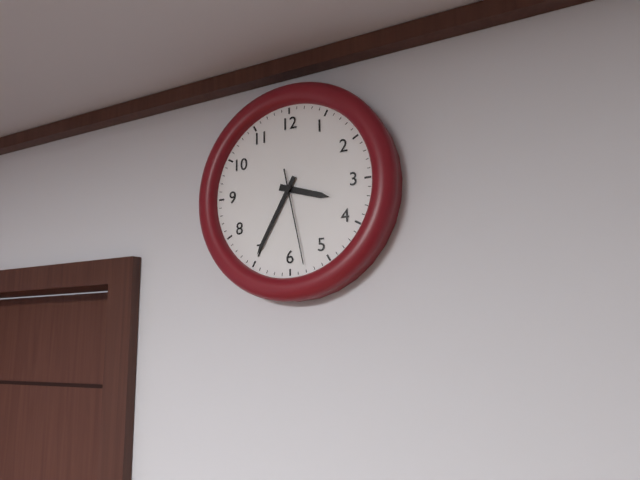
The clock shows 3.35.28
